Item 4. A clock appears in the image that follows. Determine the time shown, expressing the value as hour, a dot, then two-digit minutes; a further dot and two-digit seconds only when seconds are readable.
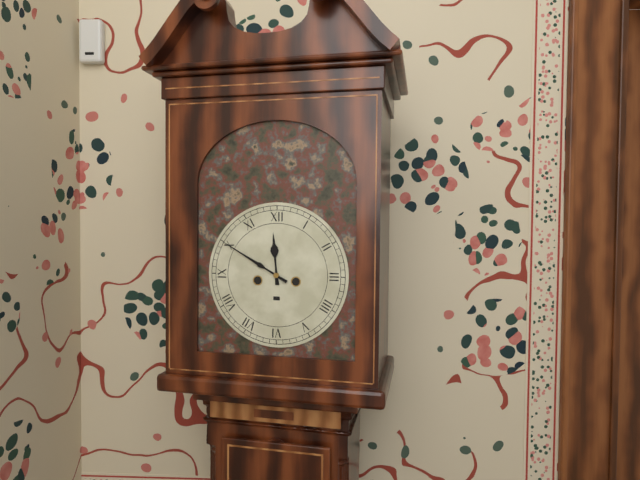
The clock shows 11.50
